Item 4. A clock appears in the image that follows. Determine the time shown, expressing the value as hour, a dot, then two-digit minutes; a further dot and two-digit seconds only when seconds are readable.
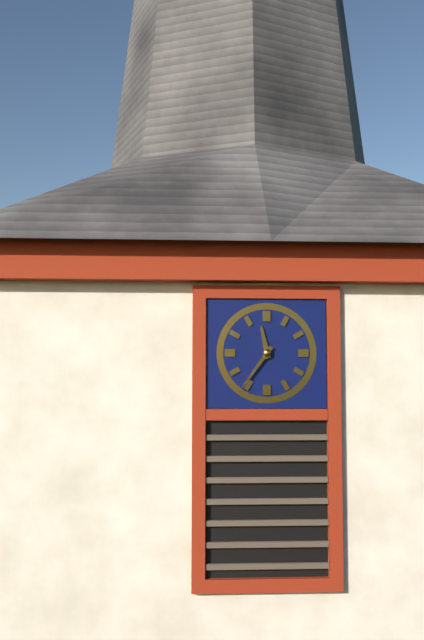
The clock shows 11.36
